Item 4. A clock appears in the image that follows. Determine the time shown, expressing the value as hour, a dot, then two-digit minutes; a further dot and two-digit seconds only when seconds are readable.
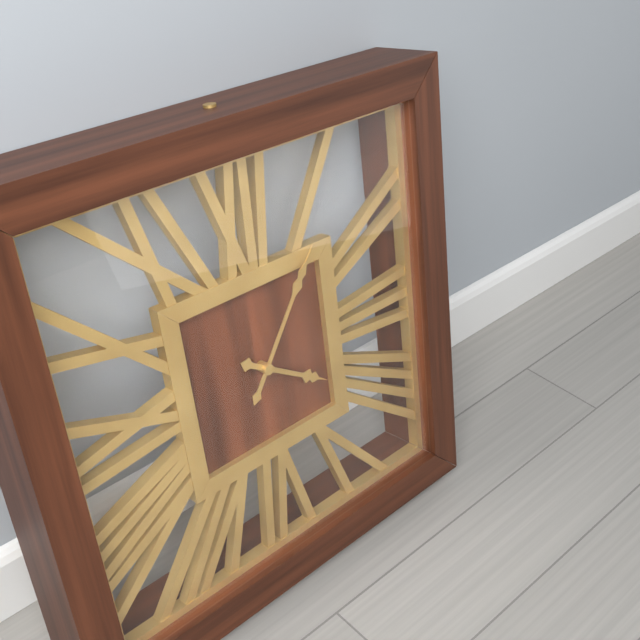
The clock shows 4.06
